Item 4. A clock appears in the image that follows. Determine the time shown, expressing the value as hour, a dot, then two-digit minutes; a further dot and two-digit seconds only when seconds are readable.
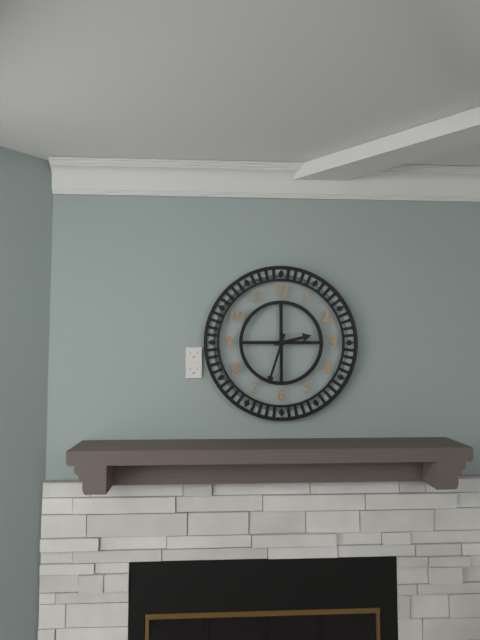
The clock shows 2.33
